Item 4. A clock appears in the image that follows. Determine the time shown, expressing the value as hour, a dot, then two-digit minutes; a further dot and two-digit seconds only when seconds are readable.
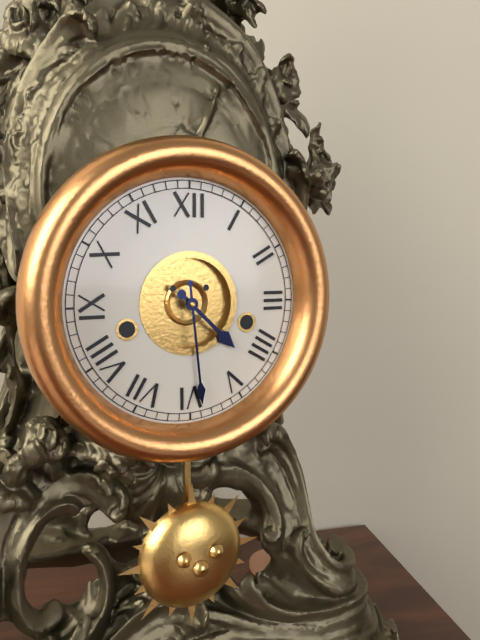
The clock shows 4.29
